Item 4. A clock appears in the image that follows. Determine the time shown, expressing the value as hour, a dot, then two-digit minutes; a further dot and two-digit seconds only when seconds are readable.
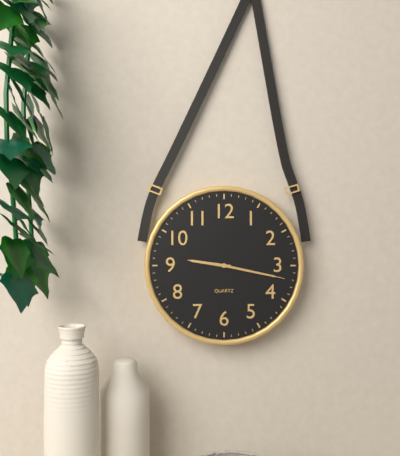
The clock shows 9.17.17
